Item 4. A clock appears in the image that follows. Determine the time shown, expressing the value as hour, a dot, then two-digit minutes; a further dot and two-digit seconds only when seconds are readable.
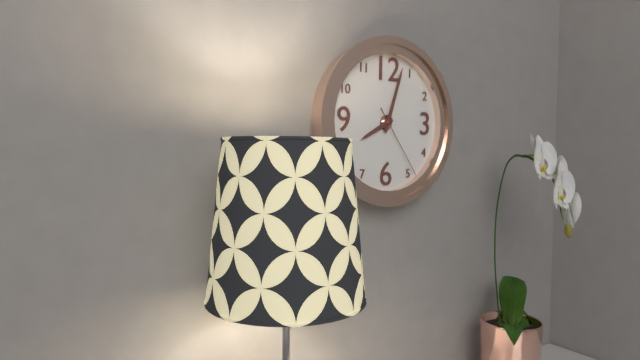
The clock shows 8.03.24
